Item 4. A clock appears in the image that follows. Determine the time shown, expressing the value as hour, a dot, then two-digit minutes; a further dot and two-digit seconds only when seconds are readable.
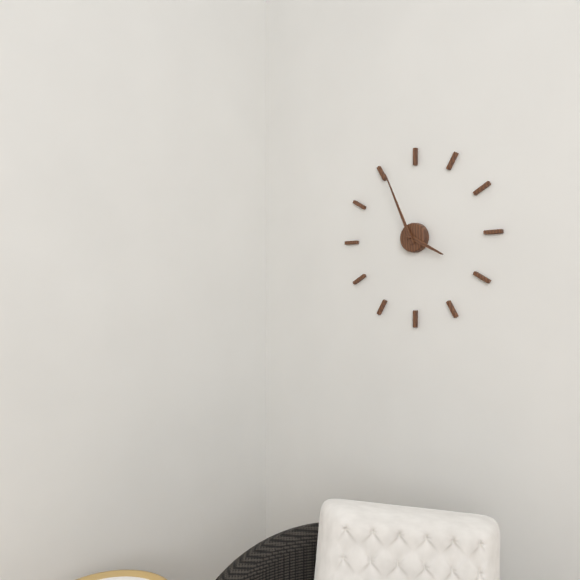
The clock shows 3.56
